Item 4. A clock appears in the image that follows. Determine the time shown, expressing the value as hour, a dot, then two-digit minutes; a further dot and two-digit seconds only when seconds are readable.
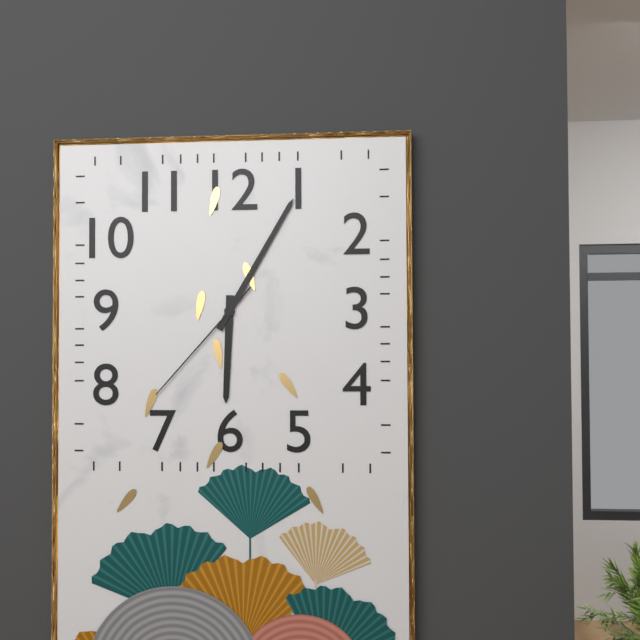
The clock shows 6.05.37
